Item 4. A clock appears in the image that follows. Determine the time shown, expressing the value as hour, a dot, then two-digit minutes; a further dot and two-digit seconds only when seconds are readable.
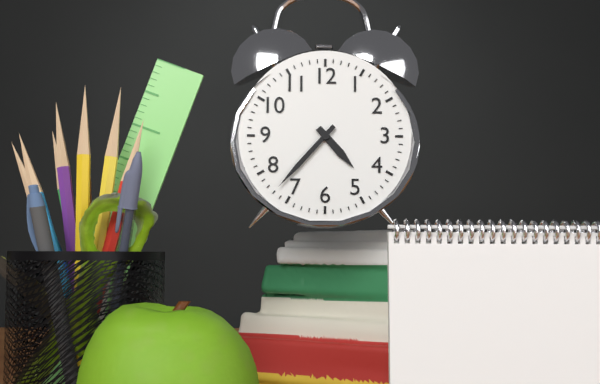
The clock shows 4.37
